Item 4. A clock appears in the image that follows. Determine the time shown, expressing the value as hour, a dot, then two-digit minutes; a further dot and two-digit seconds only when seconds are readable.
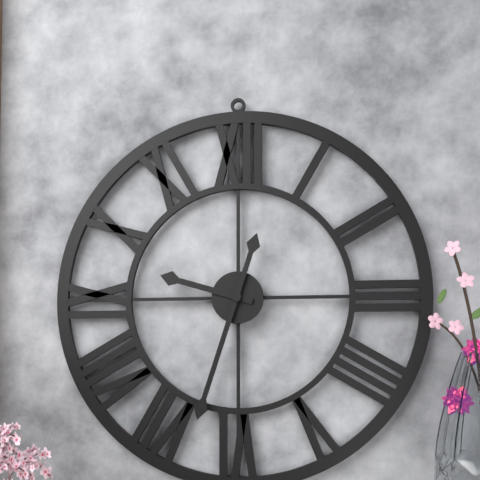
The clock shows 9.33
